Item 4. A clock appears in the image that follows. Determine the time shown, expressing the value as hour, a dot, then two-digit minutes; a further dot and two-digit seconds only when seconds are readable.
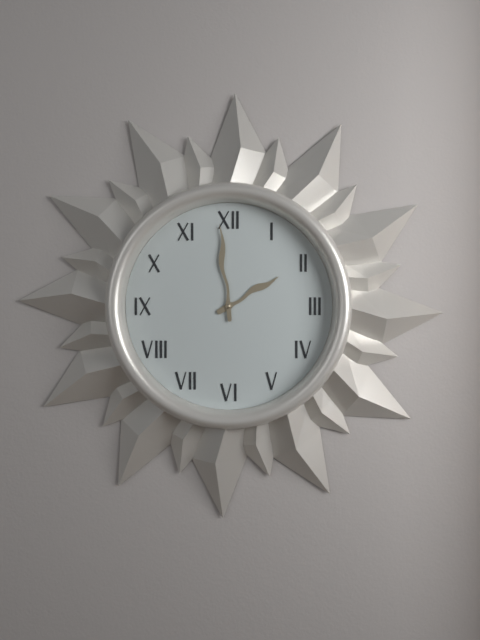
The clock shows 1.59
